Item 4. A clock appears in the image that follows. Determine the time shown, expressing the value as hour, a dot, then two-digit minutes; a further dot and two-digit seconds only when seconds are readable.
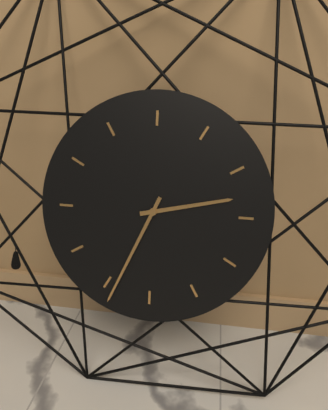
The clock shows 2.34
